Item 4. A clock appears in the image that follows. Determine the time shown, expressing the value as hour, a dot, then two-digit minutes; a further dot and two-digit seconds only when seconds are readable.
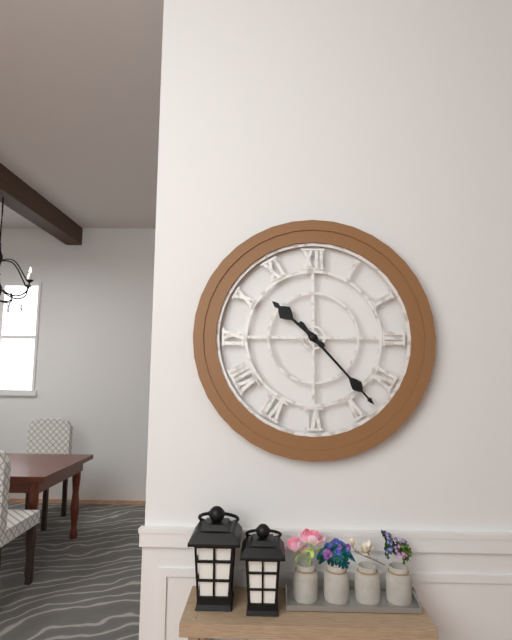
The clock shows 10.23
